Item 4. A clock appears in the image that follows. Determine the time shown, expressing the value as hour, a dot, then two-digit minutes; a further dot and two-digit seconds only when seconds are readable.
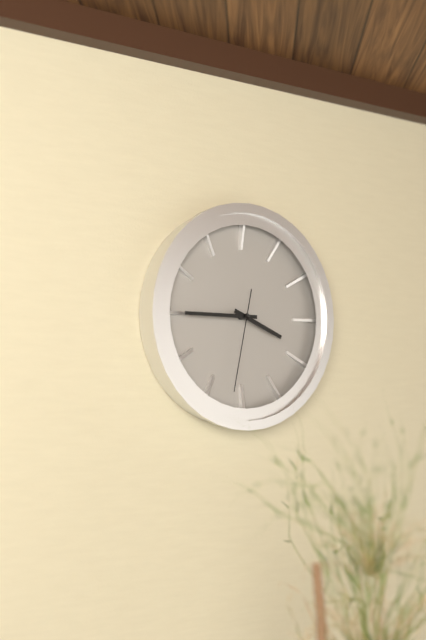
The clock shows 3.45.32
